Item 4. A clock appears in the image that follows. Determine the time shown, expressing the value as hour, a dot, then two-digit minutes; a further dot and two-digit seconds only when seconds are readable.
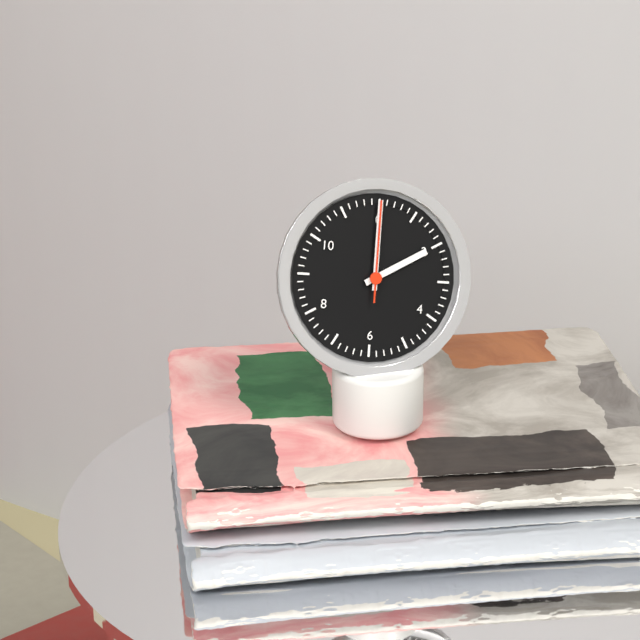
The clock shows 2.00.00
